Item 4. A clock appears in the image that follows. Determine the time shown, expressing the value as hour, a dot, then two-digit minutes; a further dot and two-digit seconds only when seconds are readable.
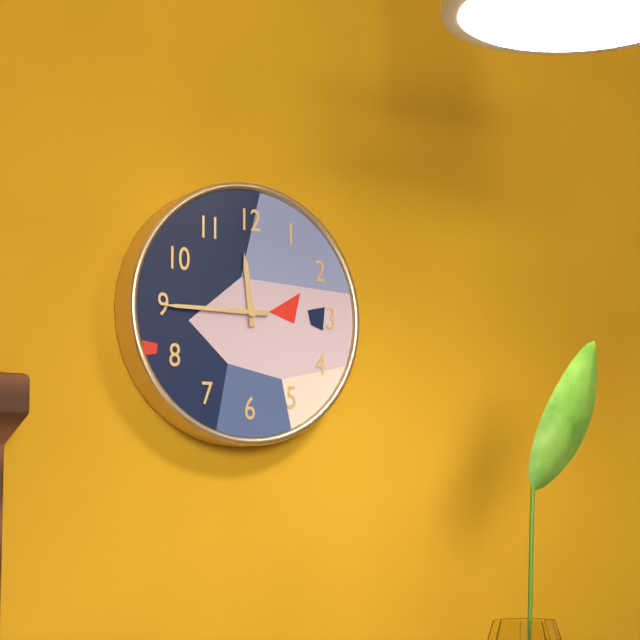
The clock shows 11.45
